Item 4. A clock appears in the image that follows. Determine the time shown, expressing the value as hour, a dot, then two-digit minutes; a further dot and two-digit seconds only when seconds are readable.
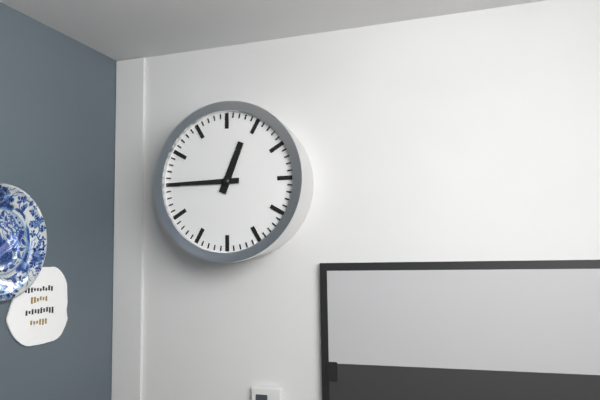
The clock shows 12.45
